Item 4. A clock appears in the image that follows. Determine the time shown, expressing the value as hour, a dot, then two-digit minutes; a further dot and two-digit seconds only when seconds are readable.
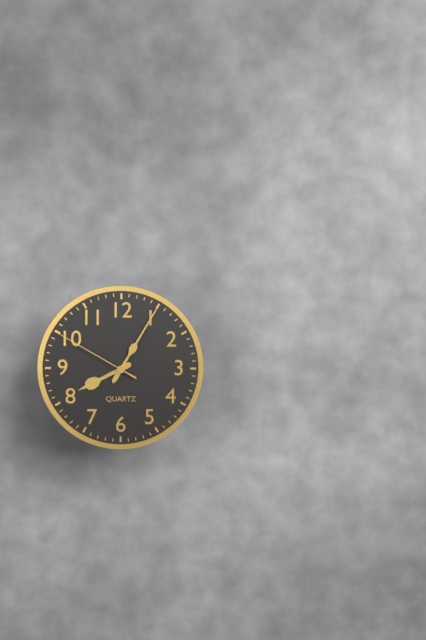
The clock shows 8.05.50
